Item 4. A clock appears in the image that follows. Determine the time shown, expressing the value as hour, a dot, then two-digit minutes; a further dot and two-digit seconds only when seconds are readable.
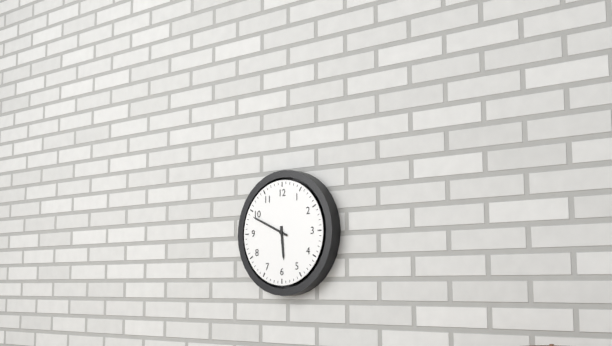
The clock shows 5.49
